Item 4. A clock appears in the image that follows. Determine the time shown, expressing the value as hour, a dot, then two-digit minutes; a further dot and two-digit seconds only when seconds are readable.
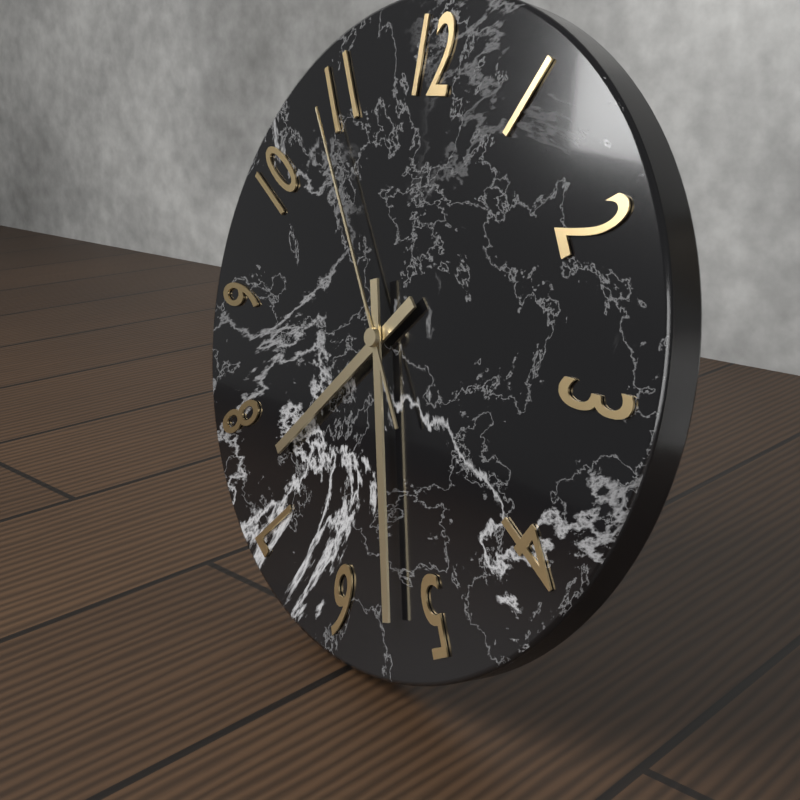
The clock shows 7.27.54
